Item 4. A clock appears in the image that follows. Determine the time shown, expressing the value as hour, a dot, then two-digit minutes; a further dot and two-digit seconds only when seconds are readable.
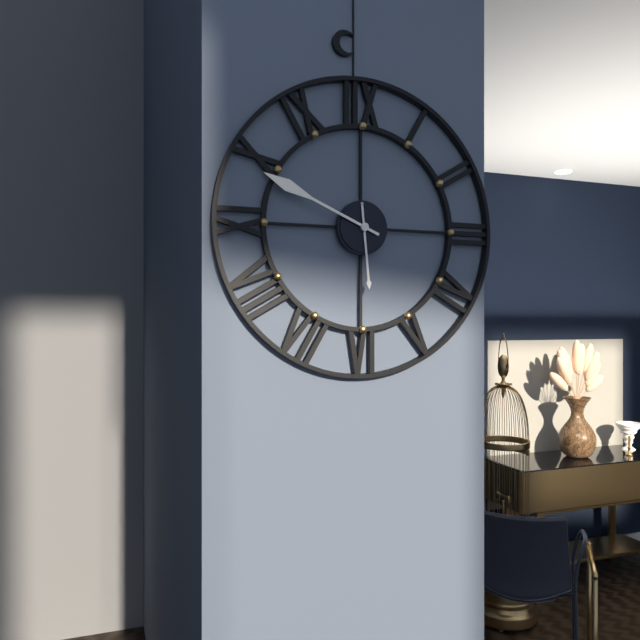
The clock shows 5.49
